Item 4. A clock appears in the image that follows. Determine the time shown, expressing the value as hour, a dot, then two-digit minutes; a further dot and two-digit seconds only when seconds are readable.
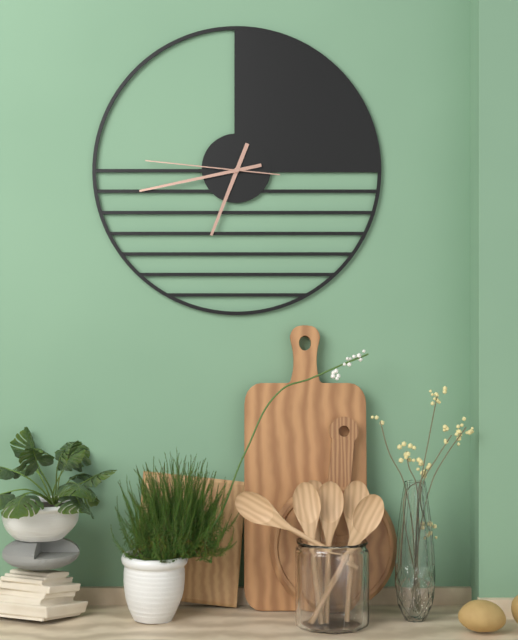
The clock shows 6.43.46
